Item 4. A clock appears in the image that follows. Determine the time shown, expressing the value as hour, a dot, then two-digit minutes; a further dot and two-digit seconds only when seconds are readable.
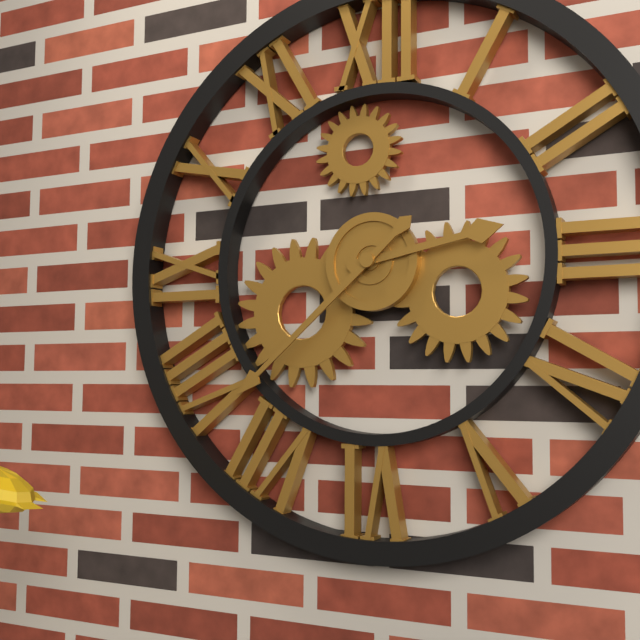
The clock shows 2.38
